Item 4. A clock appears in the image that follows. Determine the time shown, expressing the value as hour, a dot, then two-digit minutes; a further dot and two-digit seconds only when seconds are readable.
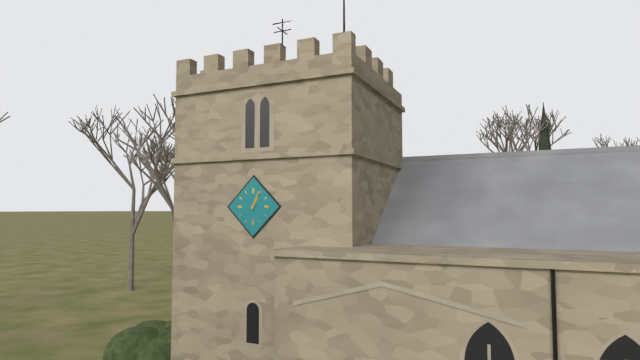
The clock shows 1.04
